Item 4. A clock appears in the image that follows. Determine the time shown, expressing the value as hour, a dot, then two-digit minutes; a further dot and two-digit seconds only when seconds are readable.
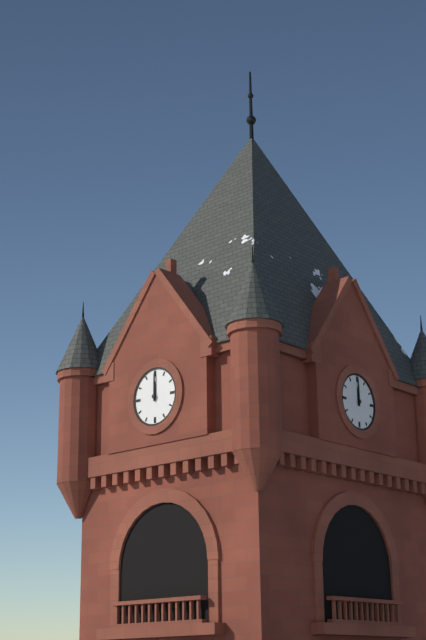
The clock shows 12.00
